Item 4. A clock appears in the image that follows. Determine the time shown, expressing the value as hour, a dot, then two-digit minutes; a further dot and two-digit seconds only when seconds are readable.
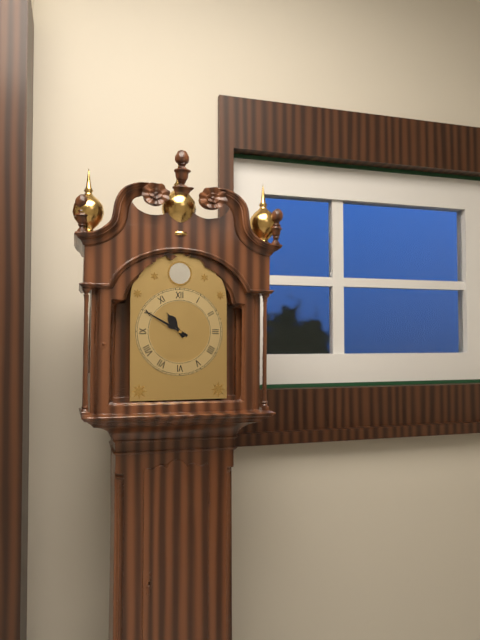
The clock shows 10.50
